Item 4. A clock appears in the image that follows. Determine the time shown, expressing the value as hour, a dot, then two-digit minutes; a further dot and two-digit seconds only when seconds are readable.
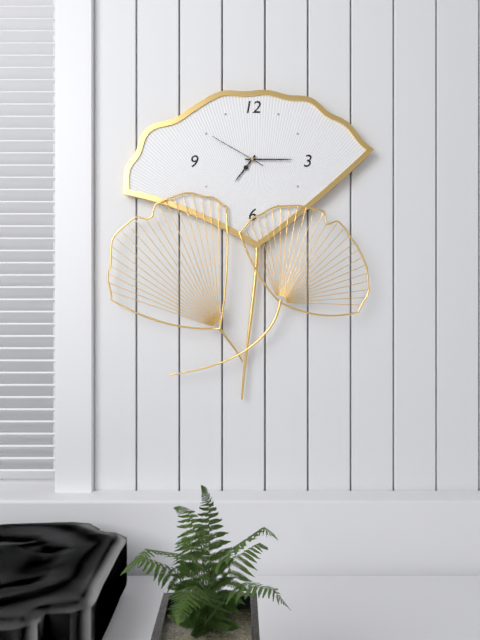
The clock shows 7.15.50
